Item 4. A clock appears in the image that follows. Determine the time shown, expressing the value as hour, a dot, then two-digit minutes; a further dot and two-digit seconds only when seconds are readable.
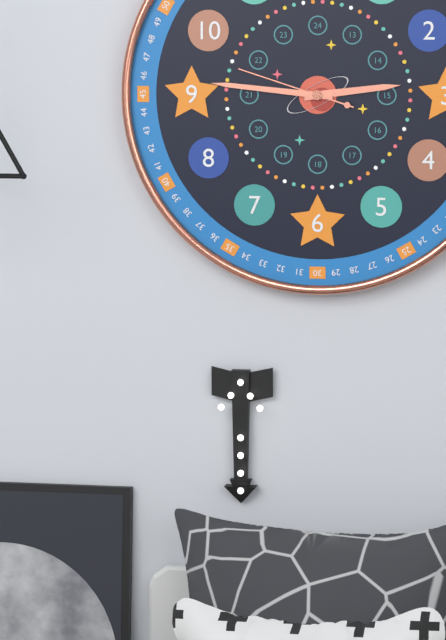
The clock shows 2.46.48
